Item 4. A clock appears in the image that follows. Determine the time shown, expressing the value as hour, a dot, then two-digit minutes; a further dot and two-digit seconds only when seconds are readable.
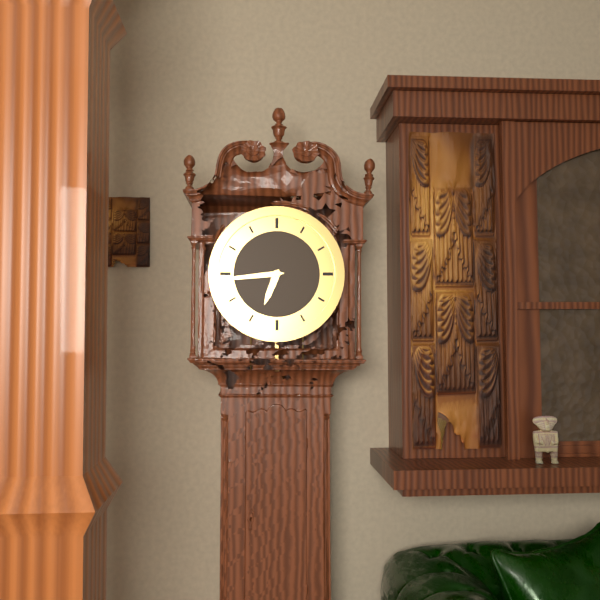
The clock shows 6.44
